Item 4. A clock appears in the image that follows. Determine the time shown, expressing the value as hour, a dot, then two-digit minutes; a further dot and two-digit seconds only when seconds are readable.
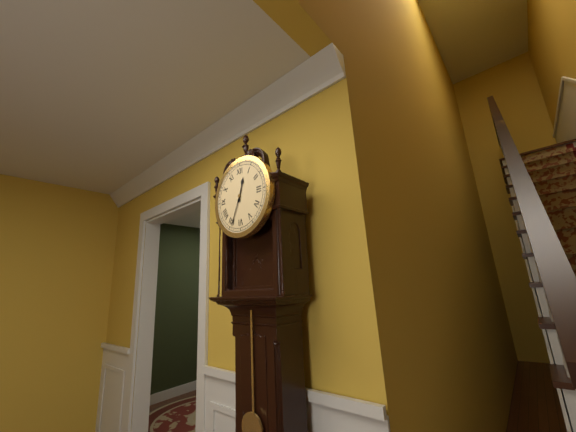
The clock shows 12.34
